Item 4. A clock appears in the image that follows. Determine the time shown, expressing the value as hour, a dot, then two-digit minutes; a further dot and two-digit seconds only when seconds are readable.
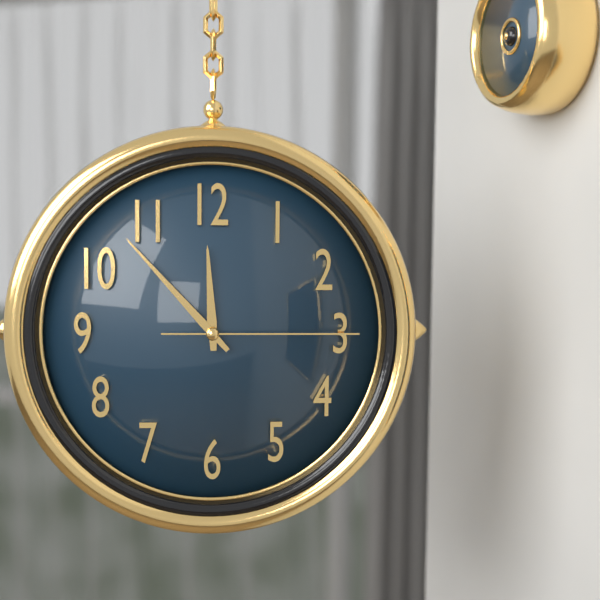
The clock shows 11.53.15
